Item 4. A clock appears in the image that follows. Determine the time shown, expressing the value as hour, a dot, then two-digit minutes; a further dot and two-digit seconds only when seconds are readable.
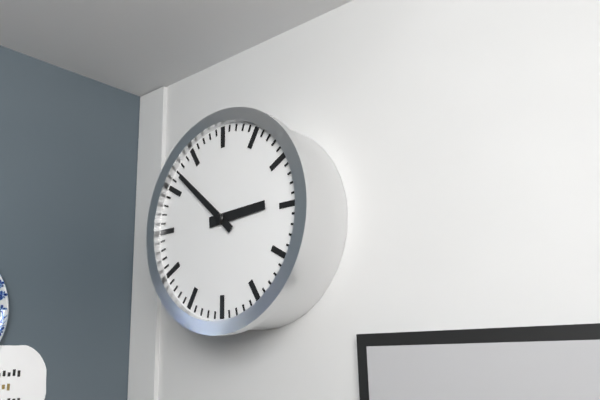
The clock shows 2.52
